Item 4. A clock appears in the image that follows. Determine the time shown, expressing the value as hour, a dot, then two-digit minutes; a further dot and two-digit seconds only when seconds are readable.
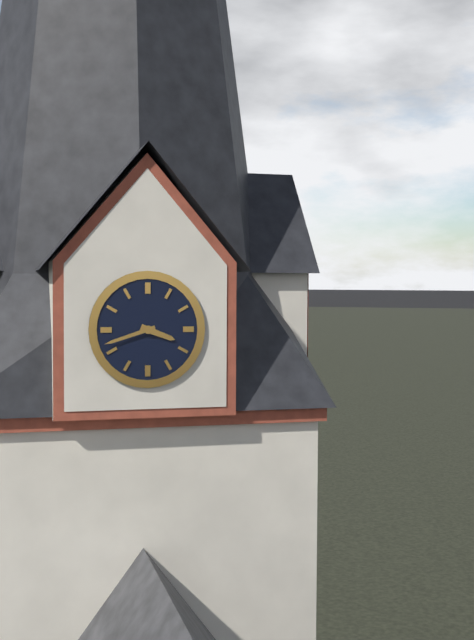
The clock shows 3.42
